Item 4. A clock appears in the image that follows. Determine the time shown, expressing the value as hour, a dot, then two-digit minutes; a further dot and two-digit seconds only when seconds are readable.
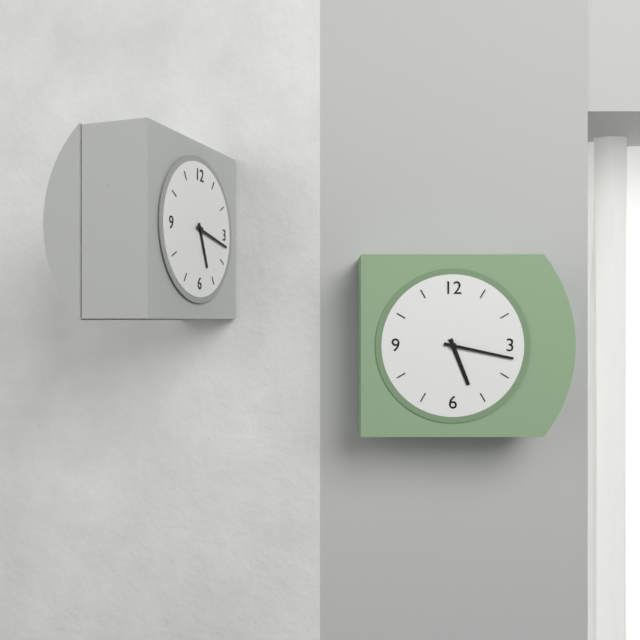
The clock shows 5.17
